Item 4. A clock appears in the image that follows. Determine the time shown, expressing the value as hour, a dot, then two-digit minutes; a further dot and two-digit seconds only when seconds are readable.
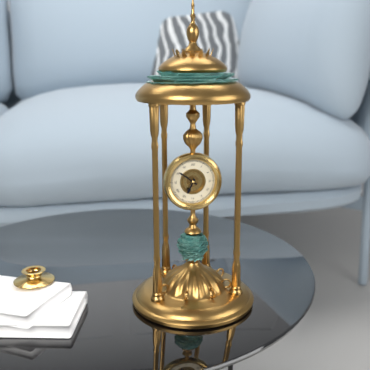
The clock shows 6.51
